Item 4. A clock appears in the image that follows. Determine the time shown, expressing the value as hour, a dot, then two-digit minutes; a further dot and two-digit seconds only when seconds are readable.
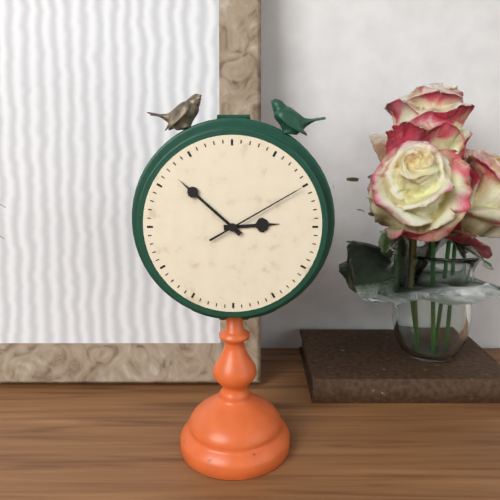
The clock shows 2.52.10
